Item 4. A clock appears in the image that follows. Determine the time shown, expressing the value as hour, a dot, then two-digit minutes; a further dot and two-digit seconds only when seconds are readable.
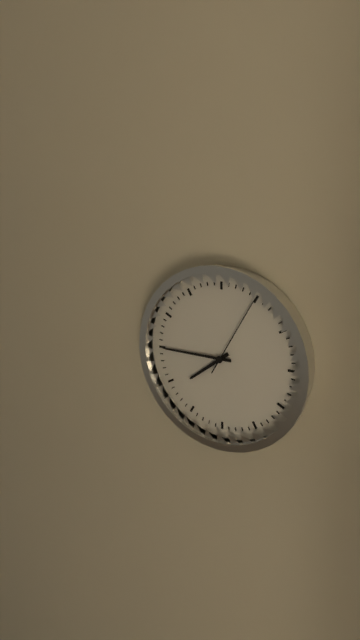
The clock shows 7.45.05
